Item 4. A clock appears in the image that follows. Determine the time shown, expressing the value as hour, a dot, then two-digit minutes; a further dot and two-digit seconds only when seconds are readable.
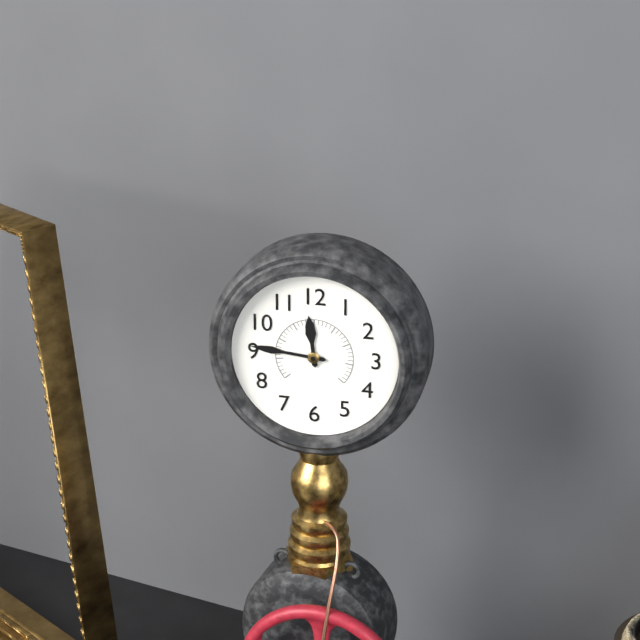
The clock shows 11.46
